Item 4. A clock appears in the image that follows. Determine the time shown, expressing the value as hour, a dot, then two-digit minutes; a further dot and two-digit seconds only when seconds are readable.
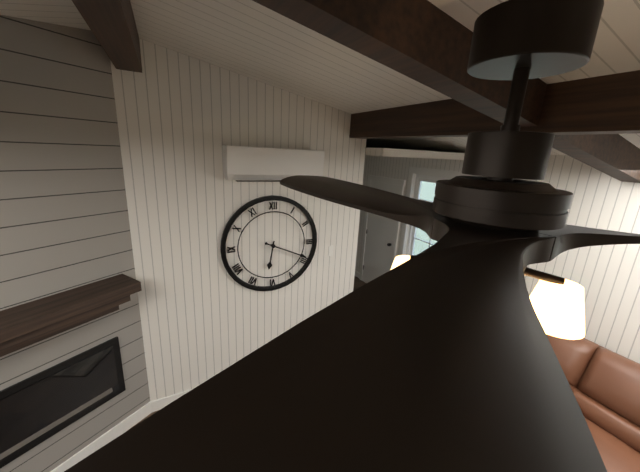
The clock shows 6.19
